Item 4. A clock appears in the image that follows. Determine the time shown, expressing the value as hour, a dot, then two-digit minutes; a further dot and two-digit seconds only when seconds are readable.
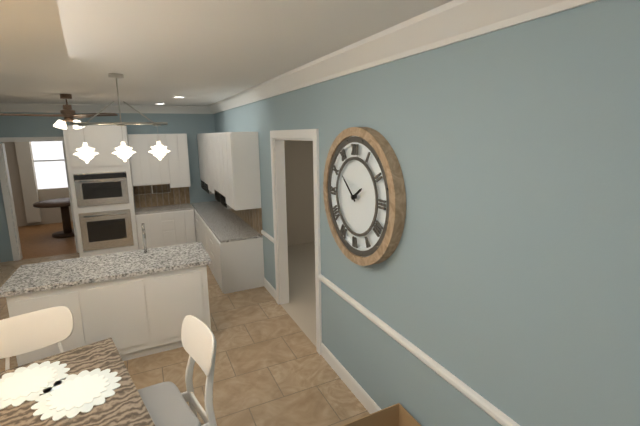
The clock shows 1.52
